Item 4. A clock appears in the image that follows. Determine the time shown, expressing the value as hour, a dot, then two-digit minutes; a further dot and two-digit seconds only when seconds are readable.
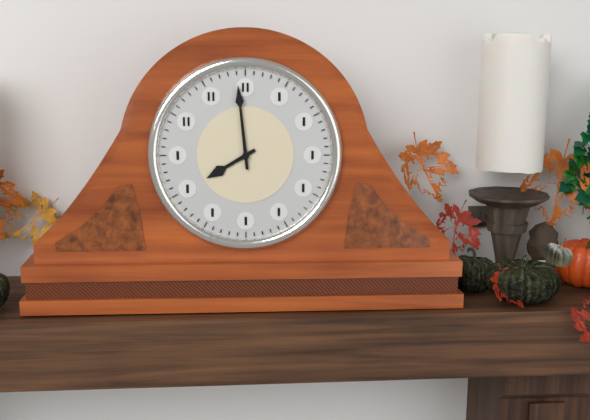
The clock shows 7.59
